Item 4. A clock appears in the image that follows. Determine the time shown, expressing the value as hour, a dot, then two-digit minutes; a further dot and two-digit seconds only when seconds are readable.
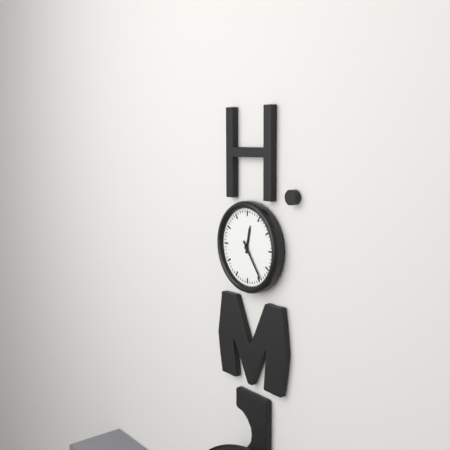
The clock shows 12.24
